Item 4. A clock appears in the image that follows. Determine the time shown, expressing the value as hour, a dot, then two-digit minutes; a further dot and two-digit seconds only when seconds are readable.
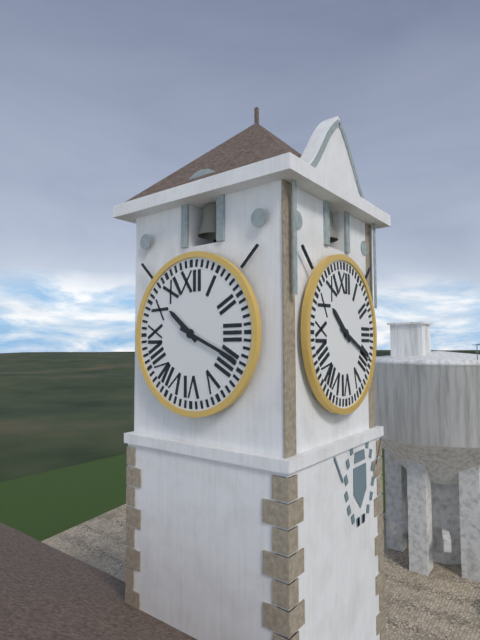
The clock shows 10.19
